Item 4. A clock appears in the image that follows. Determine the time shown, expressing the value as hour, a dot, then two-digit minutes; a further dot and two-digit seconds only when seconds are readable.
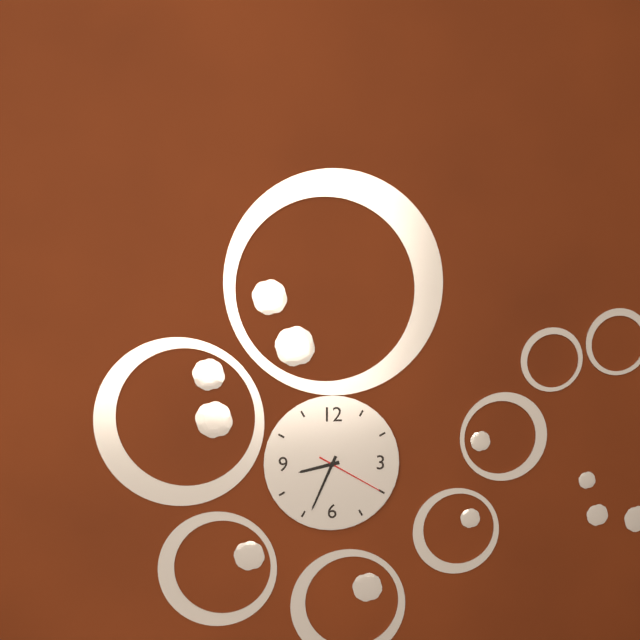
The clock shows 8.34.20
